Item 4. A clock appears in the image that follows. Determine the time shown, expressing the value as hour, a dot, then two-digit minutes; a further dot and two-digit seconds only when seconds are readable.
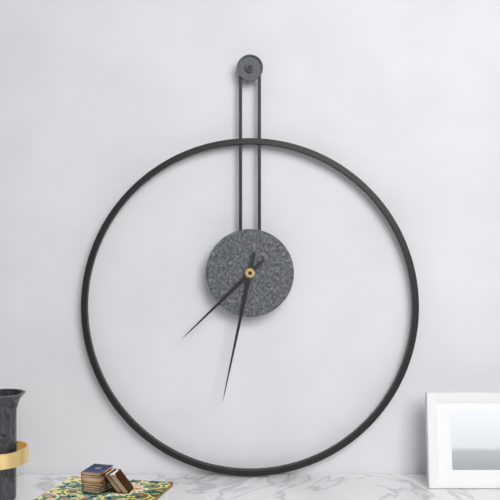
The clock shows 7.32
